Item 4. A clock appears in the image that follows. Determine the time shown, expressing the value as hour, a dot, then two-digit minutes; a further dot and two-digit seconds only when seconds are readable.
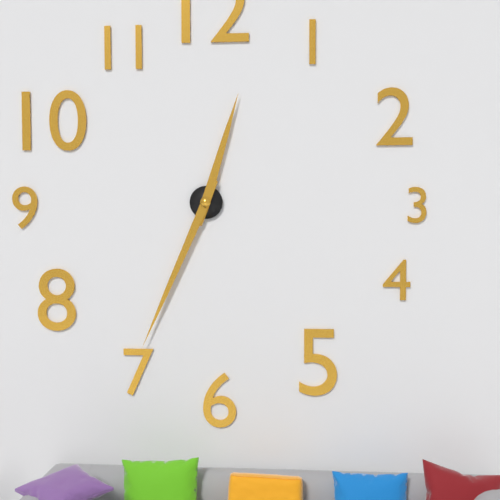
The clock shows 12.34
